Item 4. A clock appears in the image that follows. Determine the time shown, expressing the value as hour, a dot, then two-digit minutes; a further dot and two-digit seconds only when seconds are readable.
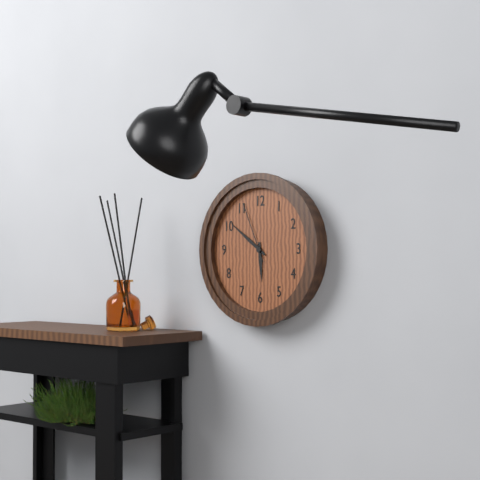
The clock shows 5.51.56
